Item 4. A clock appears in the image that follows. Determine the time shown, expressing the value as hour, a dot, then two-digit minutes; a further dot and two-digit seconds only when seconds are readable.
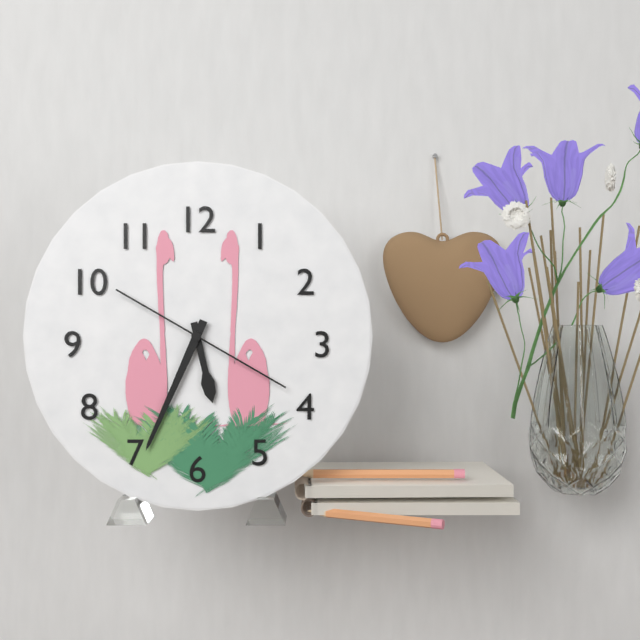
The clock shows 5.34.20
